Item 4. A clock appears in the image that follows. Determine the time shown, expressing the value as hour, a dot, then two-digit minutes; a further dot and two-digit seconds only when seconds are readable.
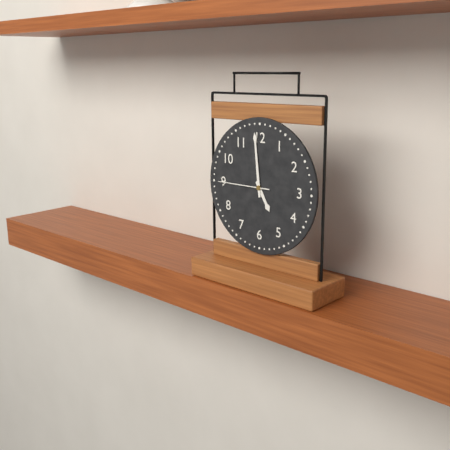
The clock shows 4.59.45
